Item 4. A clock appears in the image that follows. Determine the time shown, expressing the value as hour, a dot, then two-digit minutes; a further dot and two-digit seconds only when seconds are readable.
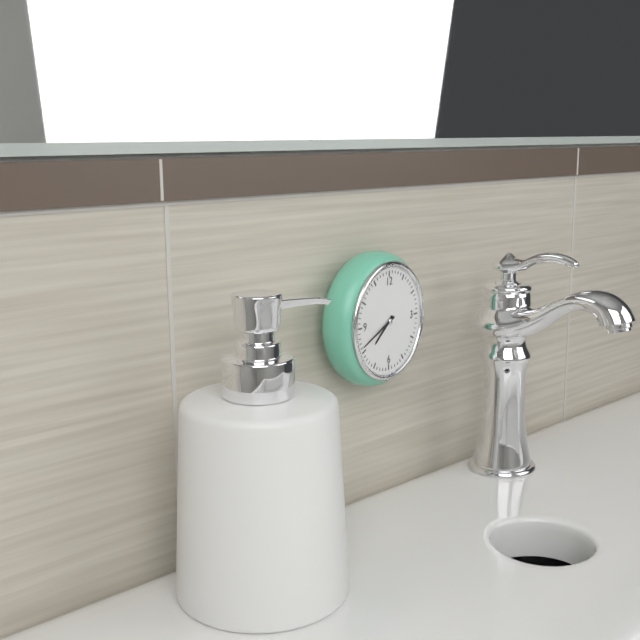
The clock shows 7.41
